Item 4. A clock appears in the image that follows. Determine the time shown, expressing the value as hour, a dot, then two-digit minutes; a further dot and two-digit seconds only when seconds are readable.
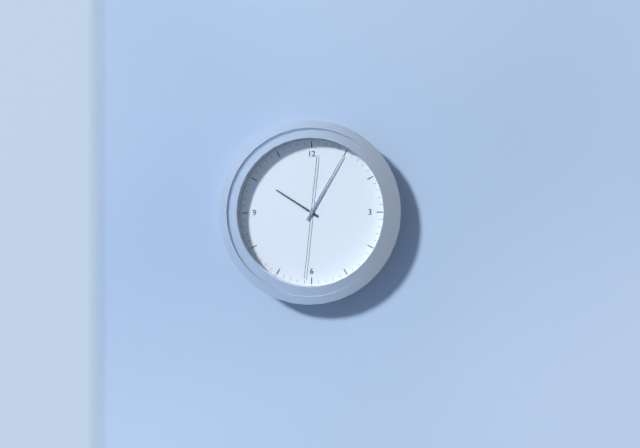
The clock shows 10.05.31
